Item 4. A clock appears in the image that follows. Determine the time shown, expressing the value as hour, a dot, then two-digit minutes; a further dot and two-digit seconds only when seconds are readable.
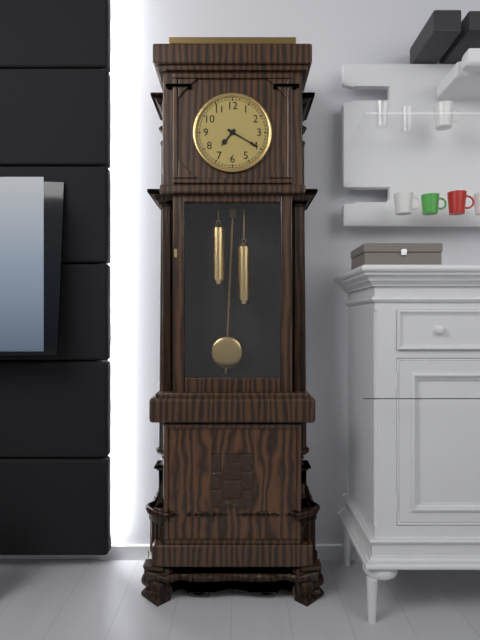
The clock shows 7.20
